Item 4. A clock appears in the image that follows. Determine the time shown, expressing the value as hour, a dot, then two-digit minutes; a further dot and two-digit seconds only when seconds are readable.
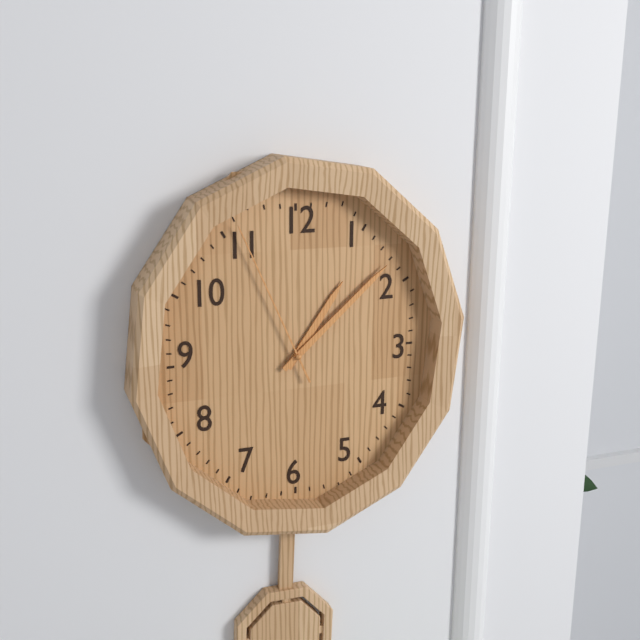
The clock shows 1.08.56
